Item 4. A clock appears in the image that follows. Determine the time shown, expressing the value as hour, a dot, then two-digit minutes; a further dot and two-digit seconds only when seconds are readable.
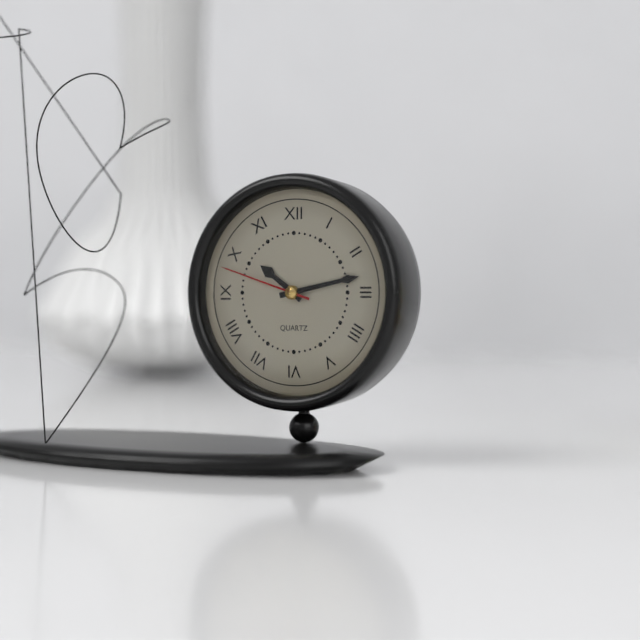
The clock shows 10.13.48
